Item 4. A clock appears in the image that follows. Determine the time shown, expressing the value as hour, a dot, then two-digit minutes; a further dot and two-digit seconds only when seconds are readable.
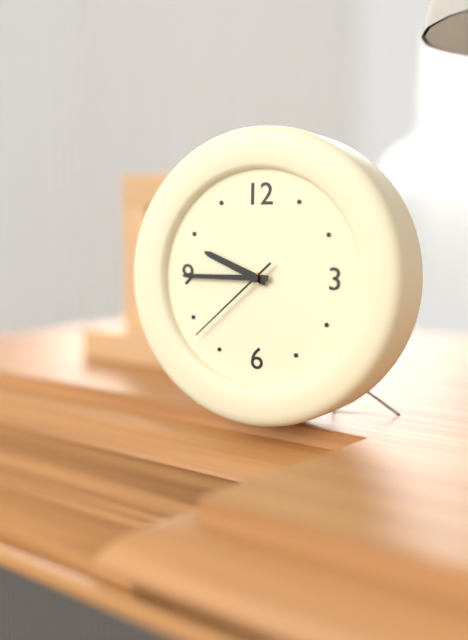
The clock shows 9.45.38
